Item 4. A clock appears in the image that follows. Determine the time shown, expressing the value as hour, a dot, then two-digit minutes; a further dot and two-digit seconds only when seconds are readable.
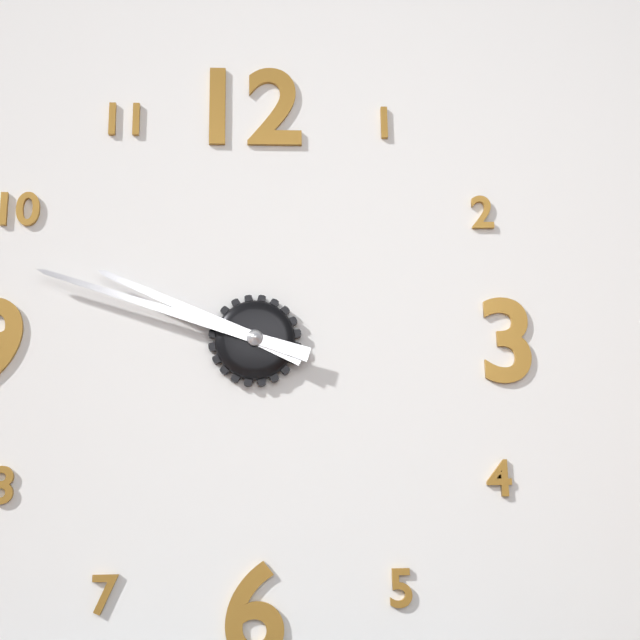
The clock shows 9.48
